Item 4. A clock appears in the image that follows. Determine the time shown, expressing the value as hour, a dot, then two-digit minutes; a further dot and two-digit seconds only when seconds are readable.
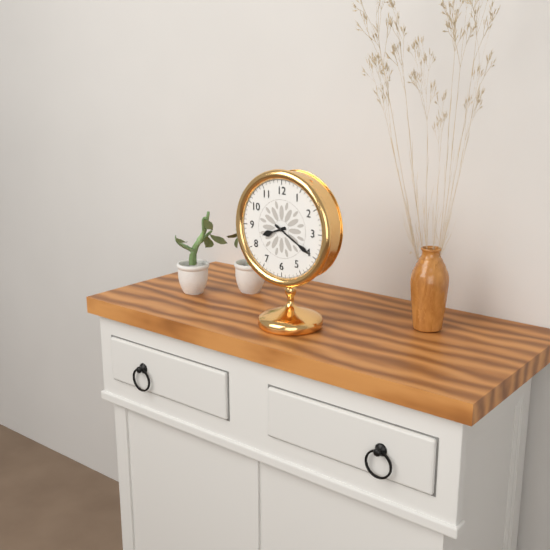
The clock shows 8.20
